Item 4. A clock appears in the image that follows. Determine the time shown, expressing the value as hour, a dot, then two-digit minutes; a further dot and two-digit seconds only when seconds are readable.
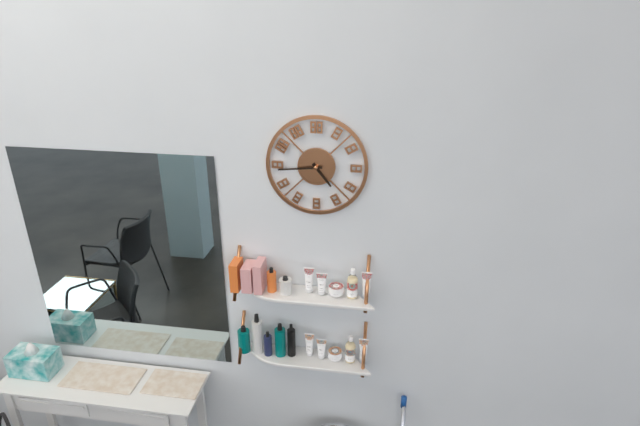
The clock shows 4.44
